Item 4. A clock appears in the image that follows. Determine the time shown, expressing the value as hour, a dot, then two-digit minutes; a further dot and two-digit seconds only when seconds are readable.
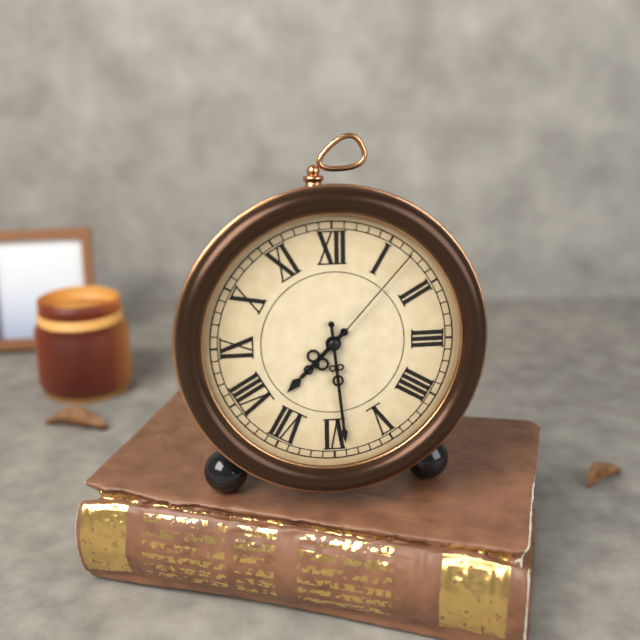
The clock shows 7.29.07
